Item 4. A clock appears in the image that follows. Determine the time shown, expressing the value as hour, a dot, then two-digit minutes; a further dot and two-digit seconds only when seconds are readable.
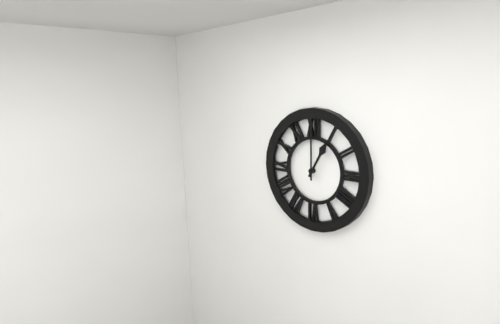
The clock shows 1.00
